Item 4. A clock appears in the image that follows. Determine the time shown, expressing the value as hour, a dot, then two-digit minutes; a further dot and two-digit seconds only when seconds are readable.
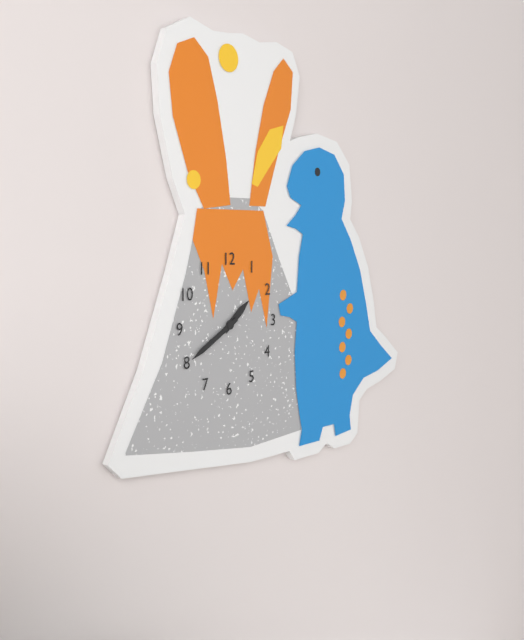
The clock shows 1.40
